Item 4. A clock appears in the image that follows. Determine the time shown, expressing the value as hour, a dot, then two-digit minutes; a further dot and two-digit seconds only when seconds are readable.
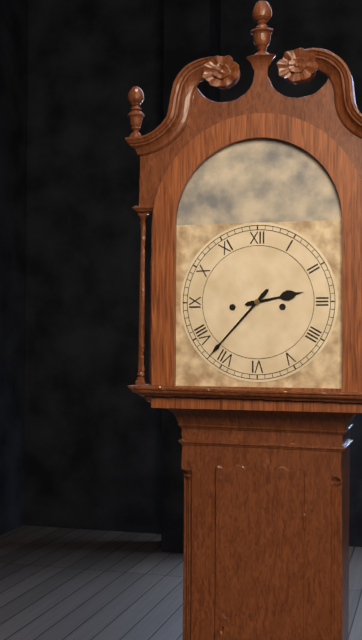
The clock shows 2.37
